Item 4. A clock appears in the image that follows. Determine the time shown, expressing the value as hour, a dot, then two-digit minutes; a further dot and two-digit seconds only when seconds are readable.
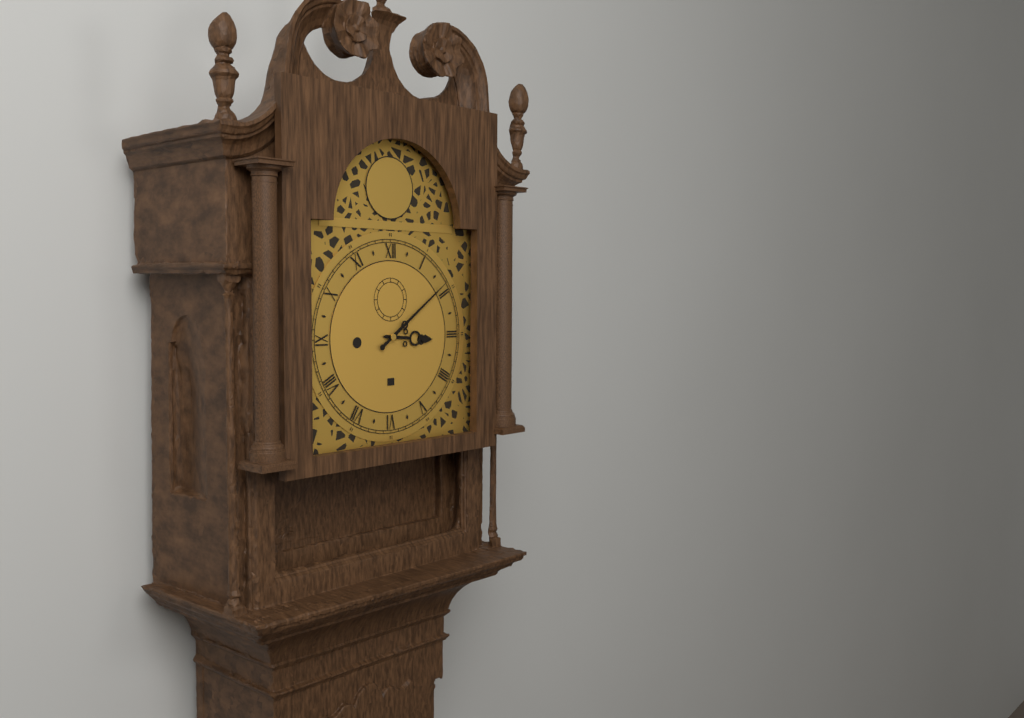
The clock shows 3.09
